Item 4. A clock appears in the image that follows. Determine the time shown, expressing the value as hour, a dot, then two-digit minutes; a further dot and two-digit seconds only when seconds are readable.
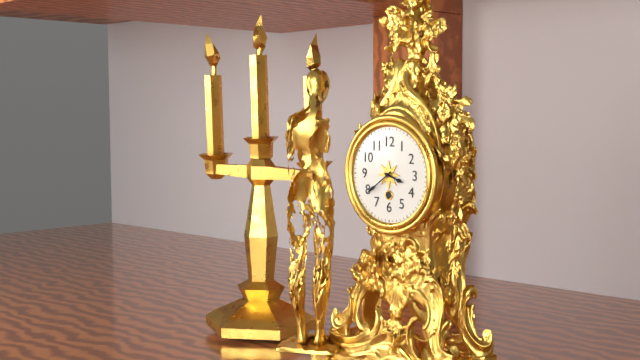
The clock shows 3.39
